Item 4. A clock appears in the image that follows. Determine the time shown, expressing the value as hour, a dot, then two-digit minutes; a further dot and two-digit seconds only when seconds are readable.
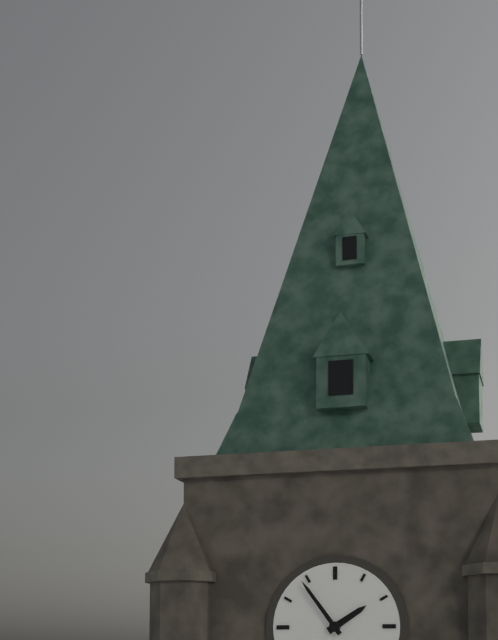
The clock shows 1.54
